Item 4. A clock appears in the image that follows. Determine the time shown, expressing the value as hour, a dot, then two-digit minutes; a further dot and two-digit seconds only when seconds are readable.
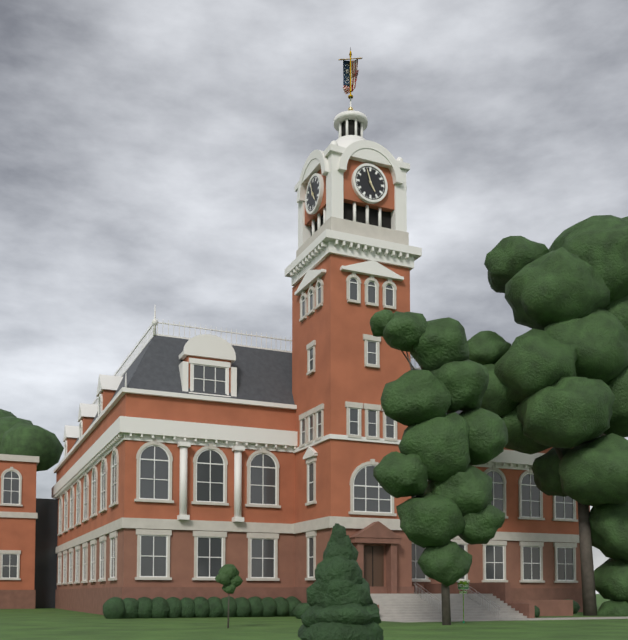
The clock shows 4.57
